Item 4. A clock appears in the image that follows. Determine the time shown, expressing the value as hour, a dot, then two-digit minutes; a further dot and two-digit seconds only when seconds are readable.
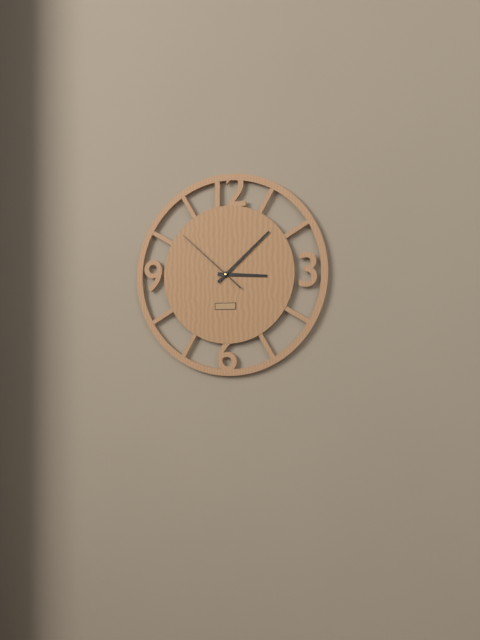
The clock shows 3.08.52
